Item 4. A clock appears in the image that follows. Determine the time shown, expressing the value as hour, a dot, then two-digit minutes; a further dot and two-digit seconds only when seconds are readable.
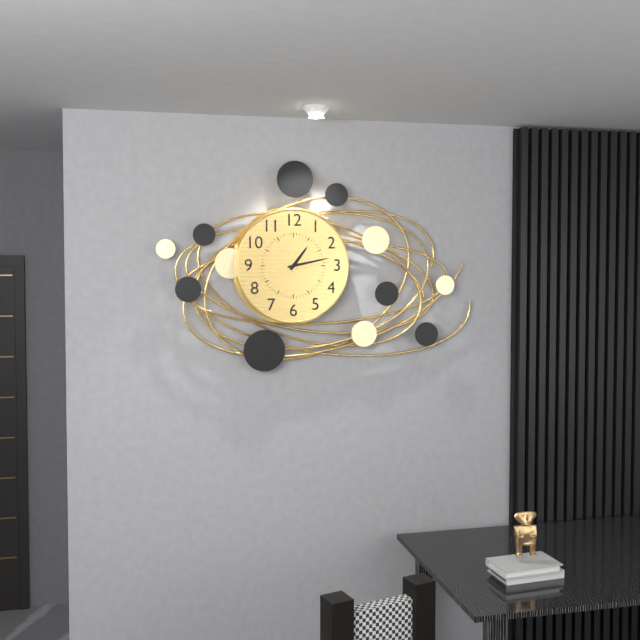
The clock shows 1.13
